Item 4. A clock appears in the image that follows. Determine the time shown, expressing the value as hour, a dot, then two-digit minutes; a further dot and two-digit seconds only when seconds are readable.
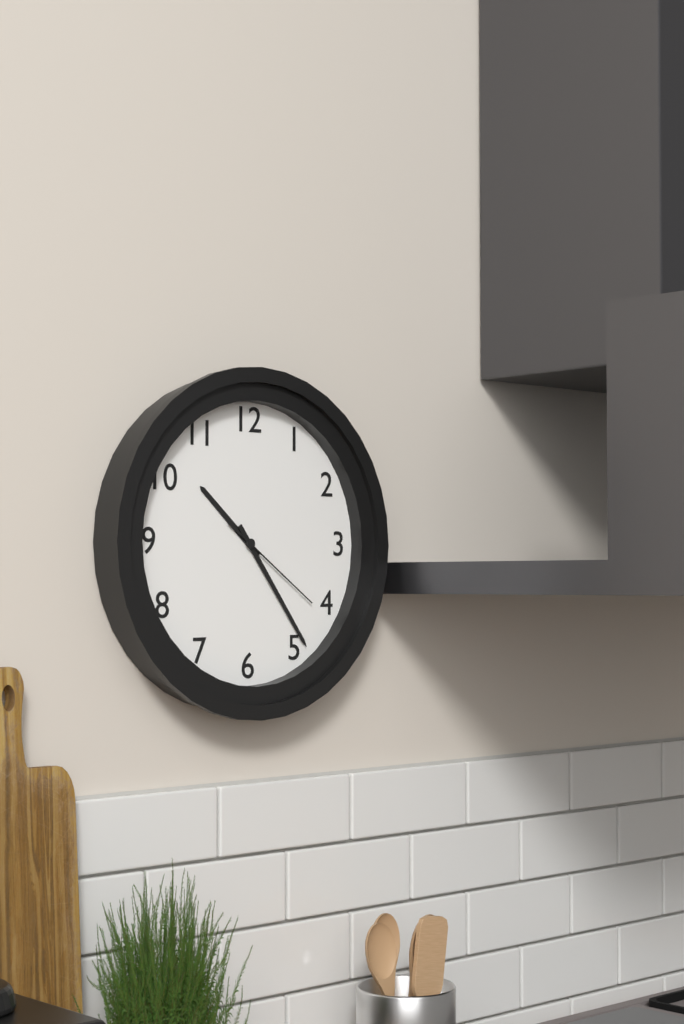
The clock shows 10.24.21
